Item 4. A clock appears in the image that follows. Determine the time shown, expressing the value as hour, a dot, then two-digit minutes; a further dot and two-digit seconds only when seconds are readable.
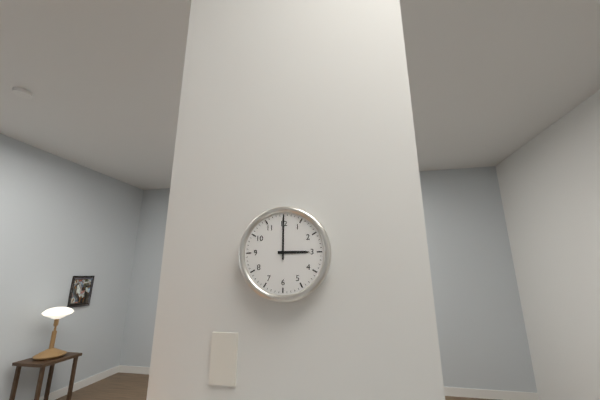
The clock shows 3.00
